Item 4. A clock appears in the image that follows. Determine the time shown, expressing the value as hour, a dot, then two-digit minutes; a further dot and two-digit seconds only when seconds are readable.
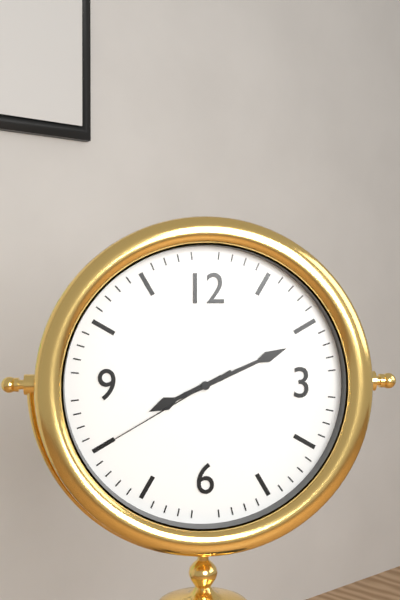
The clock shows 8.11.40
